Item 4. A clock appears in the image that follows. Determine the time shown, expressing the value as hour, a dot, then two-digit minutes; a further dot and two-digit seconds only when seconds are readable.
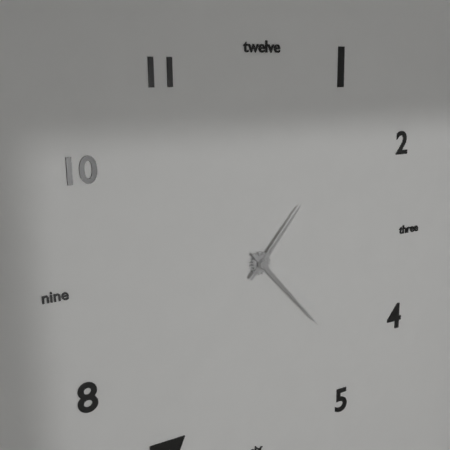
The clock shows 1.23
